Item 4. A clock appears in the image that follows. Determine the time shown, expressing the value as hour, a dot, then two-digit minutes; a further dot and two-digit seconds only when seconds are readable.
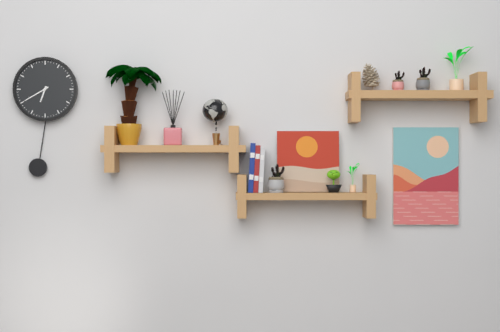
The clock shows 6.40
